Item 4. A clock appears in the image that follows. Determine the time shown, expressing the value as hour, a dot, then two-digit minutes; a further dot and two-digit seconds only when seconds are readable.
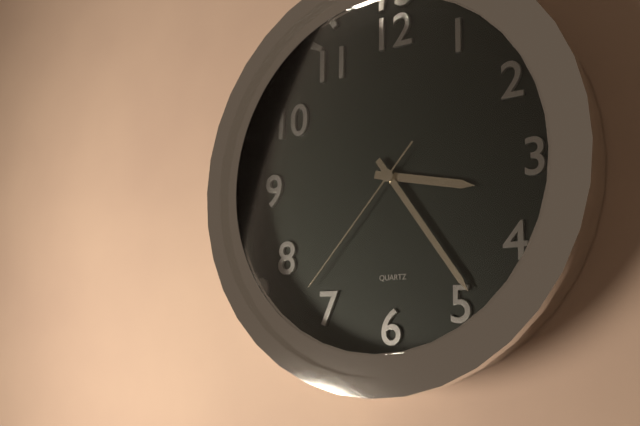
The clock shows 3.24.37
